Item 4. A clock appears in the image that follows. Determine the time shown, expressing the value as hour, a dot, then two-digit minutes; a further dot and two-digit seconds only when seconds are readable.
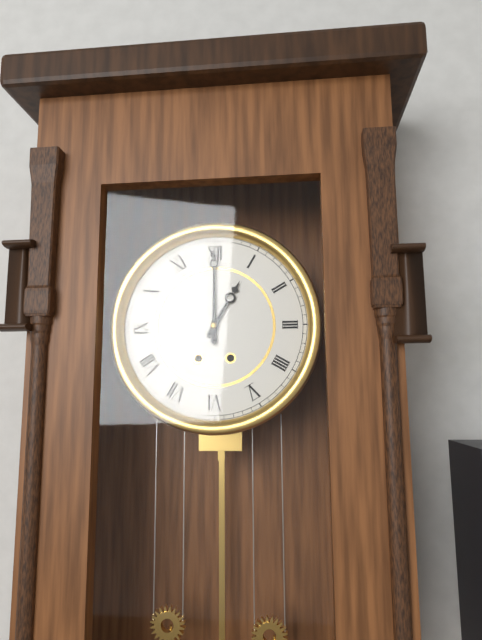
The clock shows 1.00
